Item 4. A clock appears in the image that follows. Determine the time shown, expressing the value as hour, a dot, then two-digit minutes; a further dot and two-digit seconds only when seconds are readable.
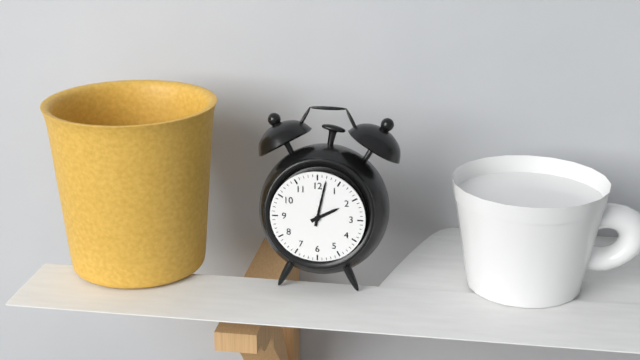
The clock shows 2.02
